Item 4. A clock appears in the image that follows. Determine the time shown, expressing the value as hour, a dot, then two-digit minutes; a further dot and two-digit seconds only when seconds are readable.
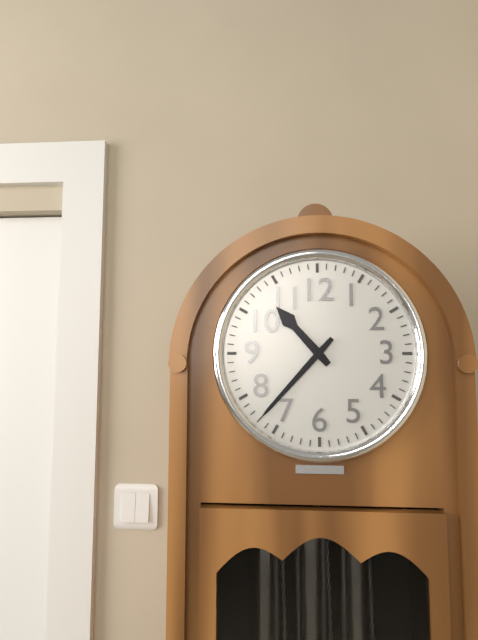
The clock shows 10.37
